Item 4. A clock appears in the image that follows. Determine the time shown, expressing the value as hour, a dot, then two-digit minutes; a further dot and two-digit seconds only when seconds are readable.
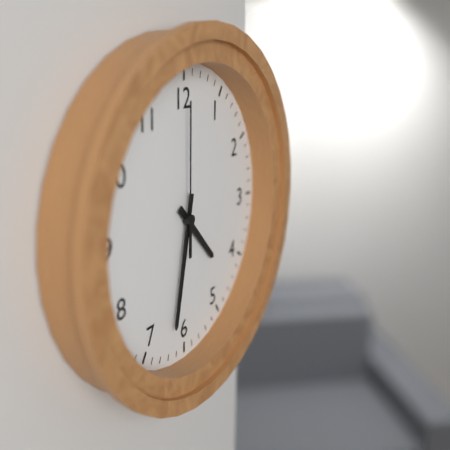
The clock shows 4.32.00
